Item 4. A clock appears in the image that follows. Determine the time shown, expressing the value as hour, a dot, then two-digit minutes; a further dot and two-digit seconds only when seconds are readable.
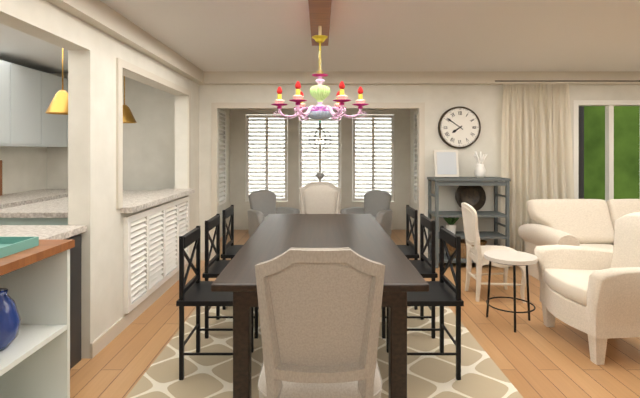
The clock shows 7.51
